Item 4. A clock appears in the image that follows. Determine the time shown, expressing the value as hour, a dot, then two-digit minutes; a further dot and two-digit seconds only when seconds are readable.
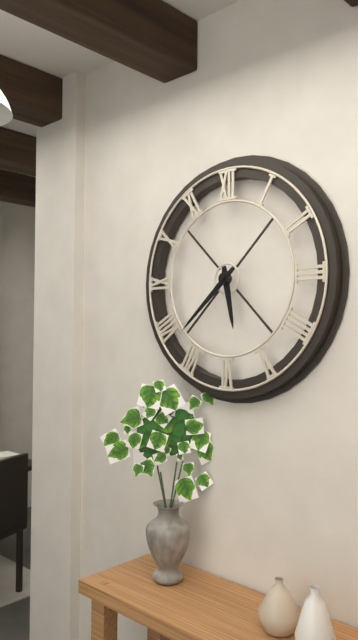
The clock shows 5.38
